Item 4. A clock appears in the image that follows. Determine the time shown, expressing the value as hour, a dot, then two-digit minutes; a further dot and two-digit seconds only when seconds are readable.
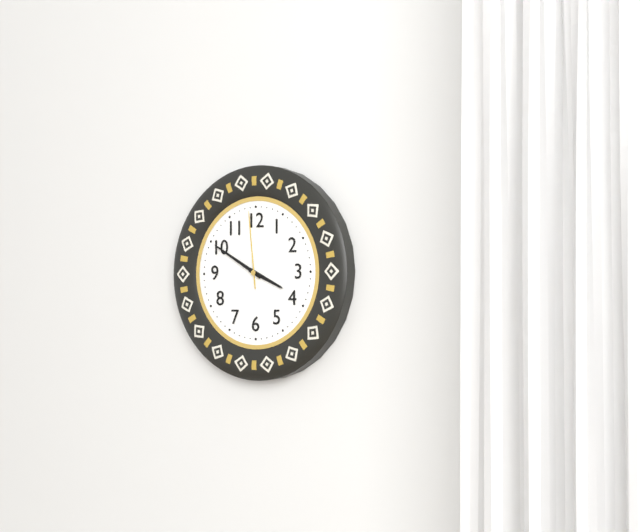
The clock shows 3.50.59
